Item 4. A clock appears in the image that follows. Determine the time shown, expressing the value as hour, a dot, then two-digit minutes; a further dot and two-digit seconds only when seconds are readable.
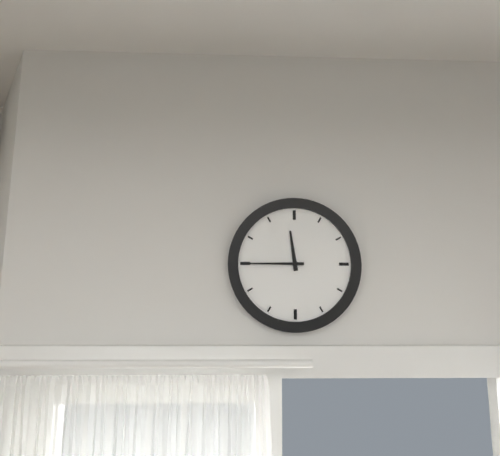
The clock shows 11.45
